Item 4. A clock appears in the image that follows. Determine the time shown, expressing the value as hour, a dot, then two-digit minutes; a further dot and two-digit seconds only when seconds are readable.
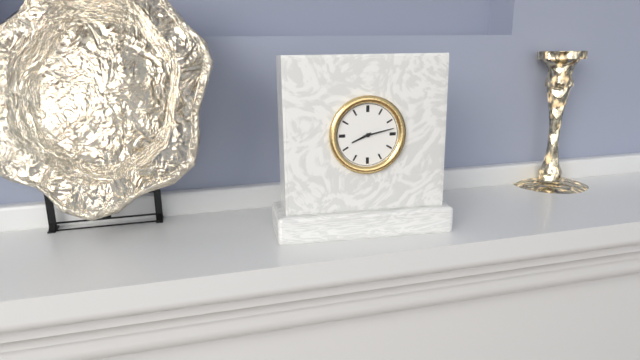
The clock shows 8.13
